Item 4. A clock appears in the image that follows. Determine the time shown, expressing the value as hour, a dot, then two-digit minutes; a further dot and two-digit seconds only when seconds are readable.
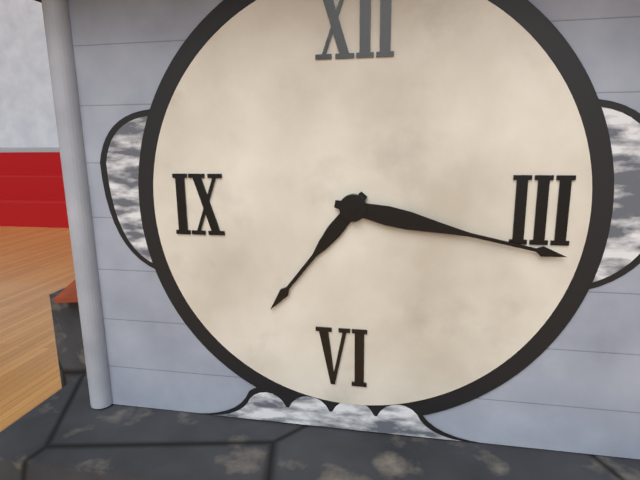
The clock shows 7.17
